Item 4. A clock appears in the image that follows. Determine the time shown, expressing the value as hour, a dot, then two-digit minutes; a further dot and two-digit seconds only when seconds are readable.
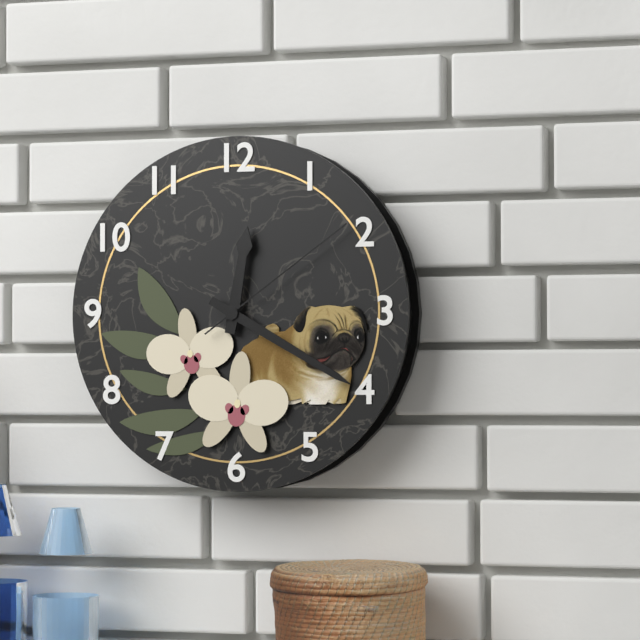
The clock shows 12.20.09
